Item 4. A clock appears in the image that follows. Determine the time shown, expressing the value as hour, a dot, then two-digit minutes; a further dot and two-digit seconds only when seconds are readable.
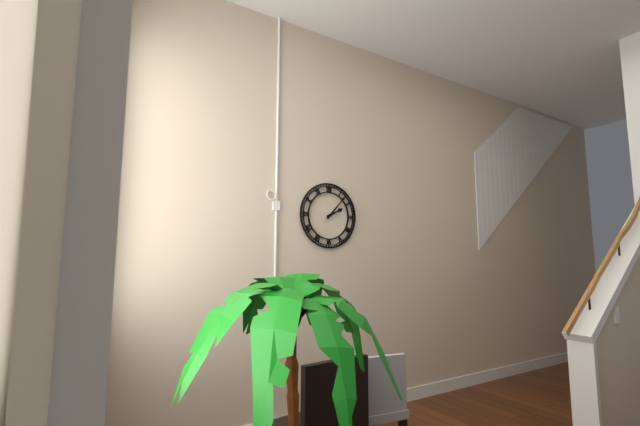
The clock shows 2.07
